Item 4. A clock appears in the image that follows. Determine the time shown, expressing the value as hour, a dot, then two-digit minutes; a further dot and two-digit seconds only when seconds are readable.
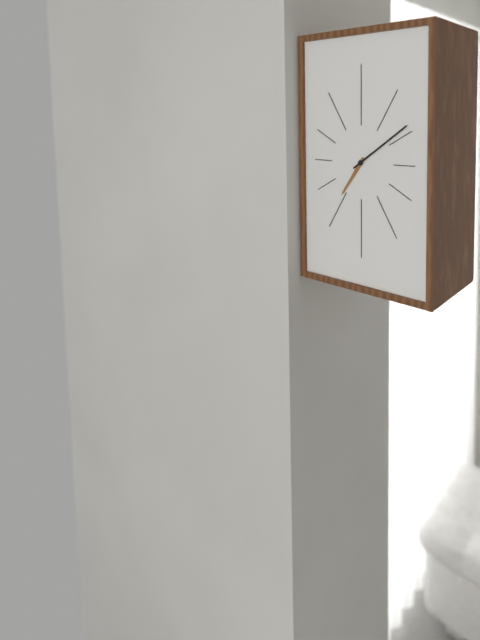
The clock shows 7.09
